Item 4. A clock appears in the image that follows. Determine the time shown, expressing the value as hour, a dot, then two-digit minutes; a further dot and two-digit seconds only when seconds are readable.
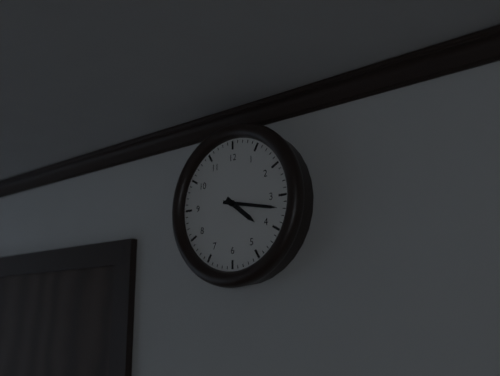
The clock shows 4.17
